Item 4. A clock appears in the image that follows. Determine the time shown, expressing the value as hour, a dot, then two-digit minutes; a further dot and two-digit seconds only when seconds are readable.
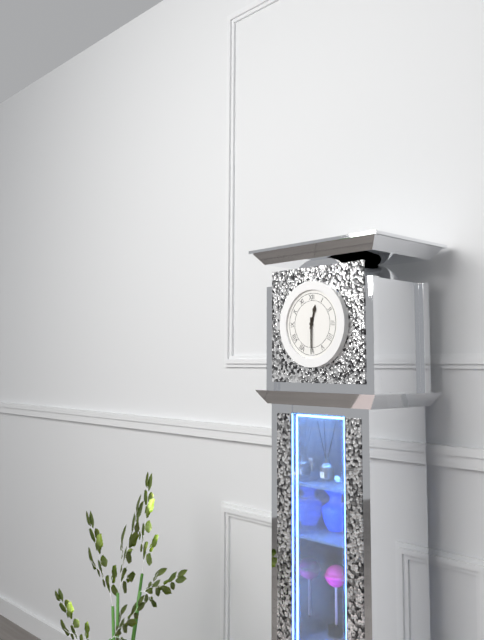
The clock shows 12.30
